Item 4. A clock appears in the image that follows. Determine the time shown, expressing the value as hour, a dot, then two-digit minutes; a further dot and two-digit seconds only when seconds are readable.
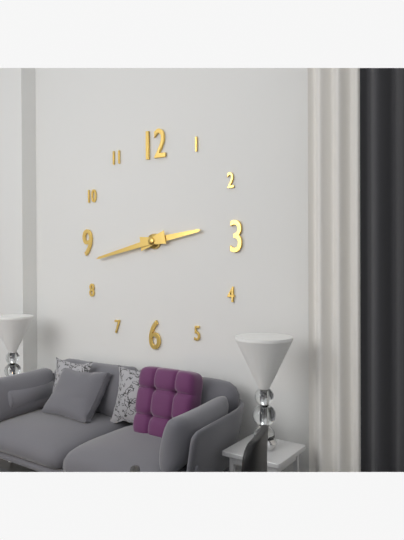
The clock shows 2.43
